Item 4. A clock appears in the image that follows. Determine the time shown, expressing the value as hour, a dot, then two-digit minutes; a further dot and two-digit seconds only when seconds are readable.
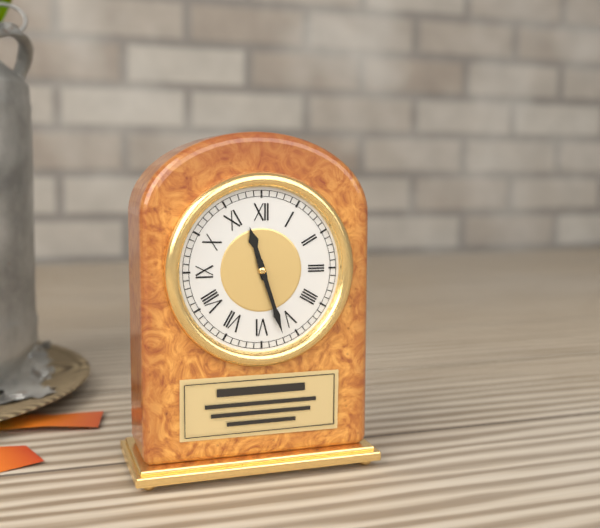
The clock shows 11.27
